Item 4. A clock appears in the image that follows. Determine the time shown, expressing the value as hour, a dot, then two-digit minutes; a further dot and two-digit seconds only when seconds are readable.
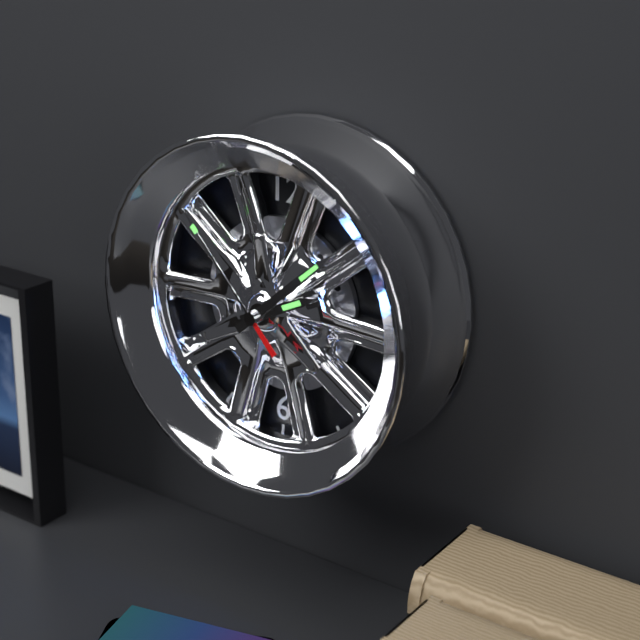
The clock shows 2.08.53
